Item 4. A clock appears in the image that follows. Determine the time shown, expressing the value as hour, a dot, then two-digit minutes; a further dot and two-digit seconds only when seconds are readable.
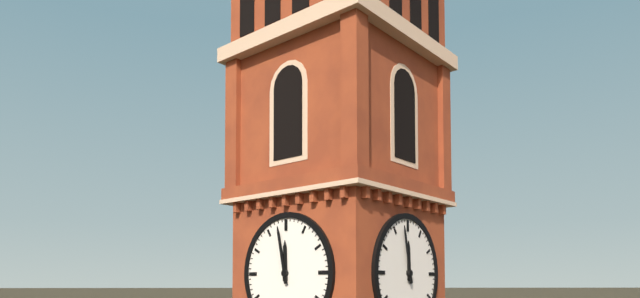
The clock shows 11.58
